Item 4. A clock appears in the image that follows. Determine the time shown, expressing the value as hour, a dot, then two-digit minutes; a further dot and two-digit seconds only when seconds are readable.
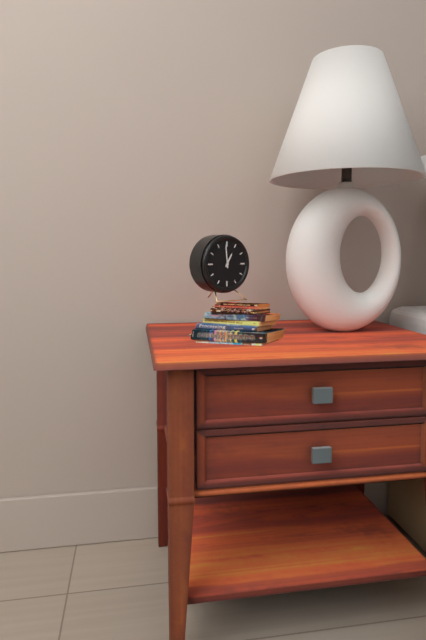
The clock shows 12.59
